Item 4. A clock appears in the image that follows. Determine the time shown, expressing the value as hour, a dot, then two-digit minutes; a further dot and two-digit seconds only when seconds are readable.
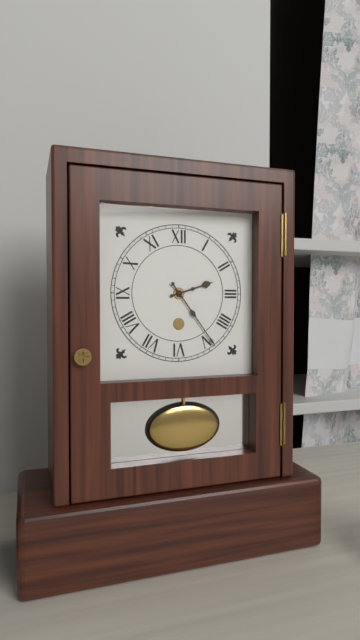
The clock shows 2.24
